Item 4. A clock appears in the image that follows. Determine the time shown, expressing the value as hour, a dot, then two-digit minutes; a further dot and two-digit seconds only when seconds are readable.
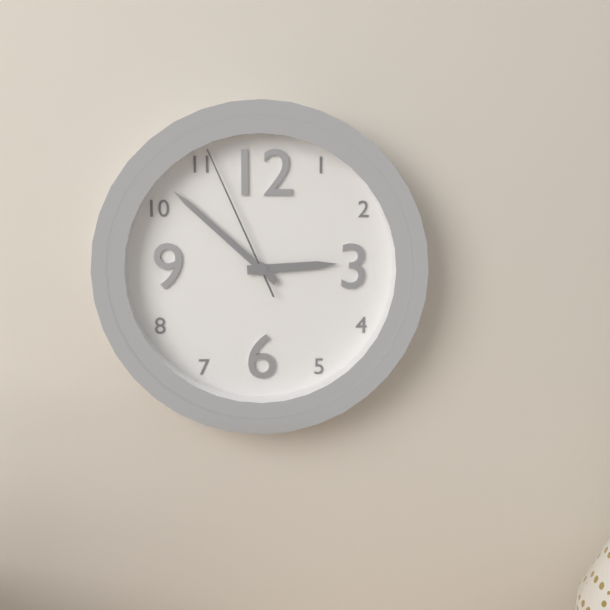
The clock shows 2.52.56
